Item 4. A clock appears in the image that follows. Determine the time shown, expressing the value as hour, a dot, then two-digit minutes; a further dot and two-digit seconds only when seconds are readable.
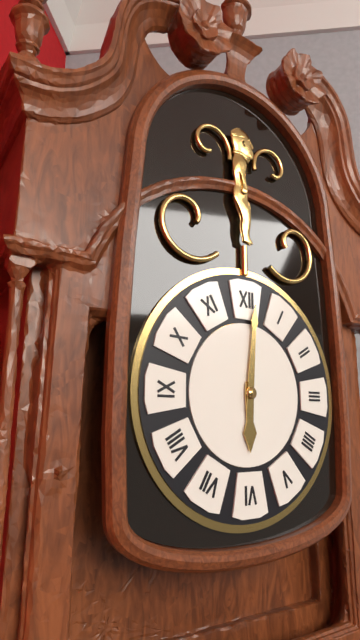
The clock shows 6.01
